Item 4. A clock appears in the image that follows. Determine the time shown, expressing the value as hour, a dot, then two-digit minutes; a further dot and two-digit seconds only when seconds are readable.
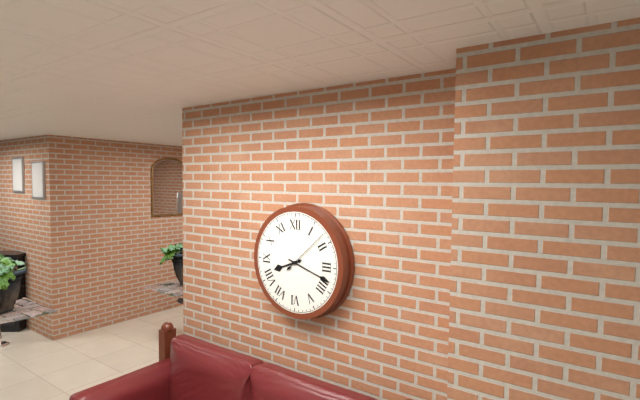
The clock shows 8.18
